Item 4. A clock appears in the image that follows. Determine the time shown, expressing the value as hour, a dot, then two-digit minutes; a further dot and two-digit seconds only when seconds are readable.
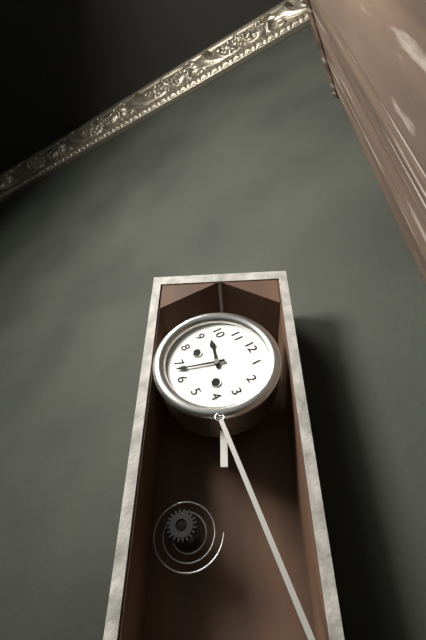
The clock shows 9.33
